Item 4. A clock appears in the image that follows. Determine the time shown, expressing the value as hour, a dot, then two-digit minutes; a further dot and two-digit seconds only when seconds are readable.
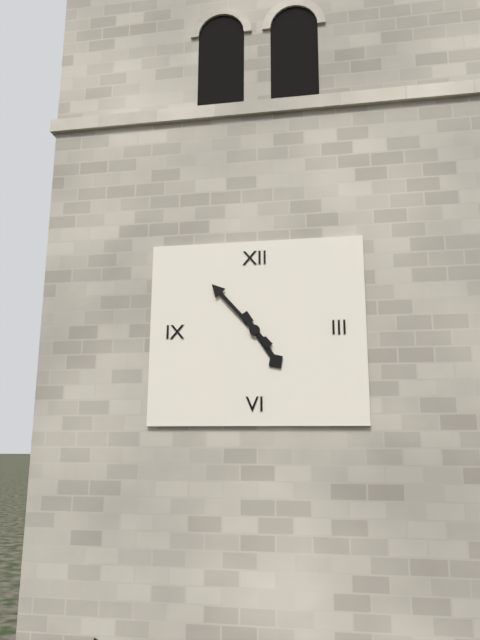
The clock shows 4.53
